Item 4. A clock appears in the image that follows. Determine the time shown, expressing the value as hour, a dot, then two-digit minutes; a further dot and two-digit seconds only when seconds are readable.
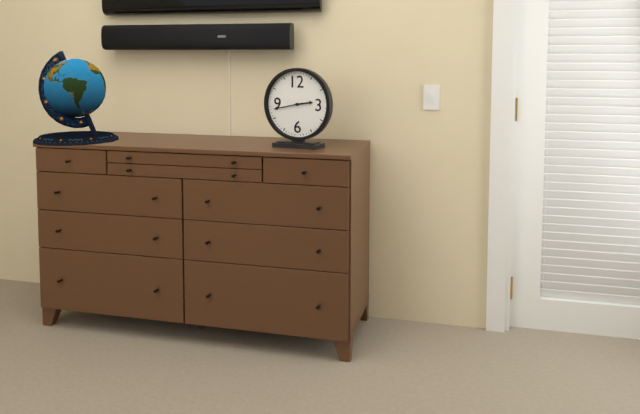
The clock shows 2.43
